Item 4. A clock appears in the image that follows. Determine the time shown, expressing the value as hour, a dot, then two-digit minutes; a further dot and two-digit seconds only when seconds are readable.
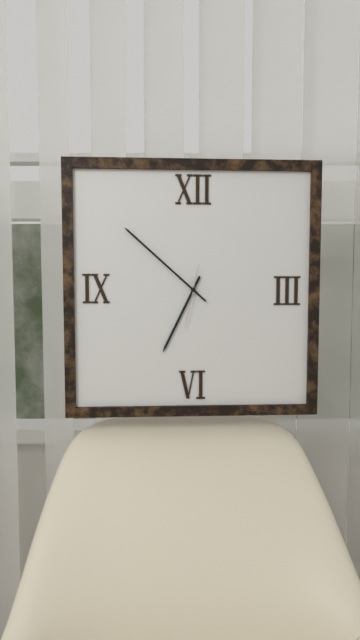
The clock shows 6.52.32
